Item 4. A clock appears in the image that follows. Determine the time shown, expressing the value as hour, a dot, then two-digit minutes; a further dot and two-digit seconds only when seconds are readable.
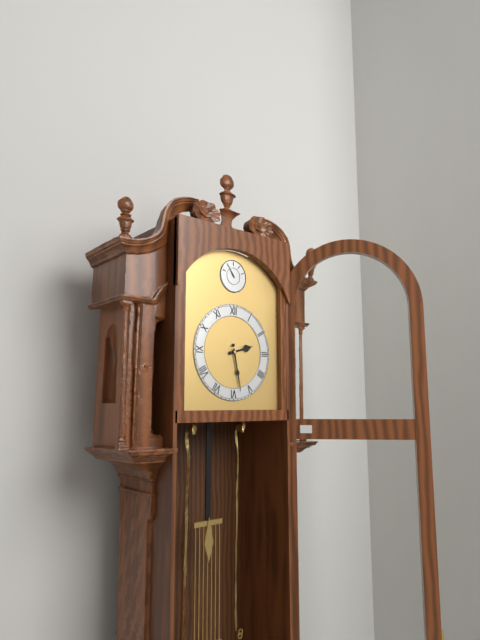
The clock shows 2.28
